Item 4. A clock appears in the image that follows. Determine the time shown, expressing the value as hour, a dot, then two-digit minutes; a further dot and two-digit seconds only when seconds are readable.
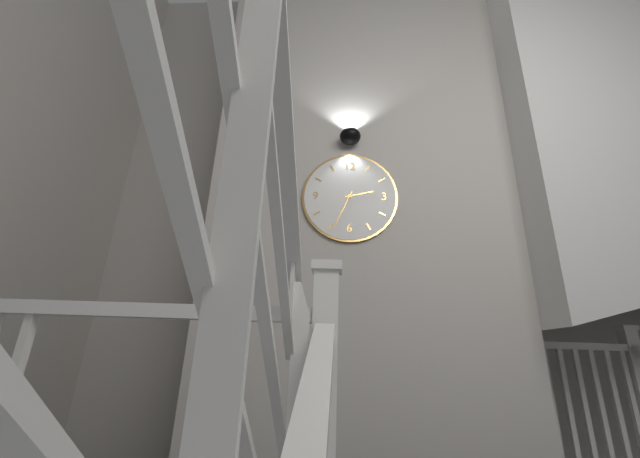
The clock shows 2.34
